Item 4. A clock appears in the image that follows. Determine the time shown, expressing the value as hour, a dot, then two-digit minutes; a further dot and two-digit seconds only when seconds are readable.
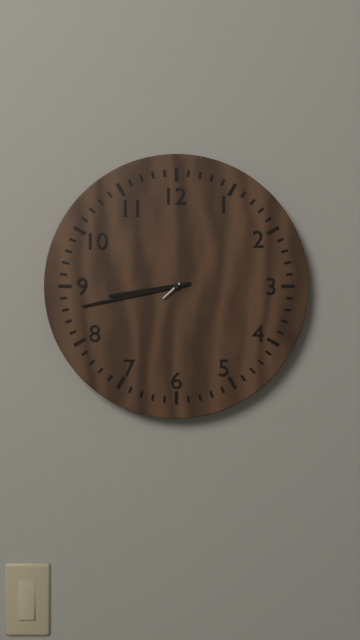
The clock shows 8.43
